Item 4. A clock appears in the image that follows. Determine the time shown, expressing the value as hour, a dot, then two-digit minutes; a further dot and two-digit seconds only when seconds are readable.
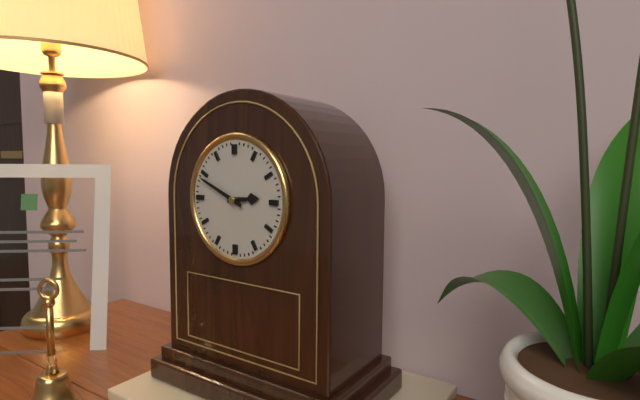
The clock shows 2.49
